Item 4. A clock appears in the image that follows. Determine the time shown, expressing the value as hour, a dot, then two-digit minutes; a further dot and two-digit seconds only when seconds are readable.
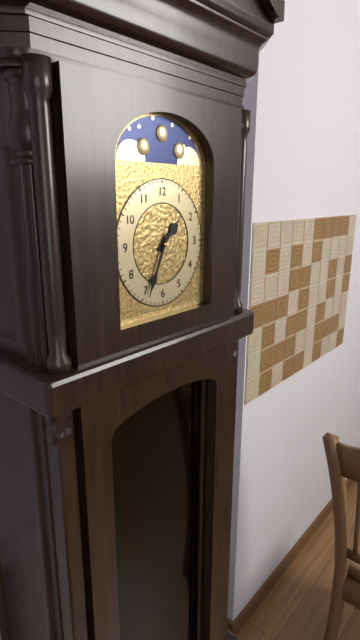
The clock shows 1.34
